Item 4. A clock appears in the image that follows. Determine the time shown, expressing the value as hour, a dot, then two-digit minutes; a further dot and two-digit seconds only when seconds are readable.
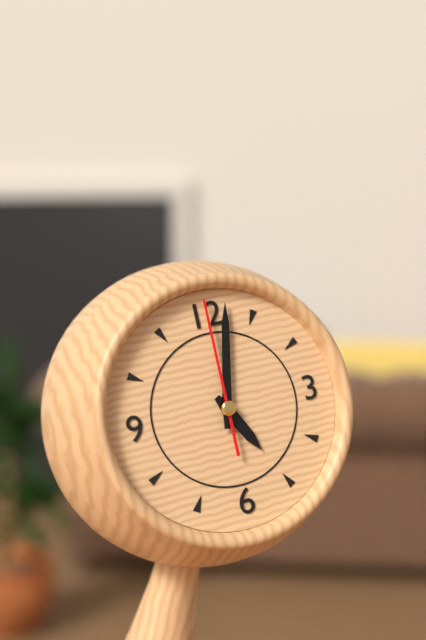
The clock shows 5.02.00
